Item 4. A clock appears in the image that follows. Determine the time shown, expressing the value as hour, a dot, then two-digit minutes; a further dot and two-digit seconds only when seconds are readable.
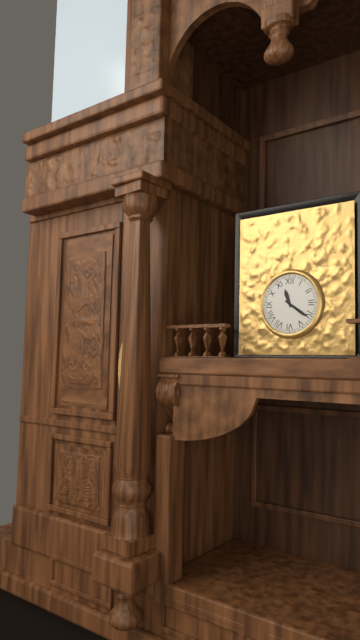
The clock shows 11.21
